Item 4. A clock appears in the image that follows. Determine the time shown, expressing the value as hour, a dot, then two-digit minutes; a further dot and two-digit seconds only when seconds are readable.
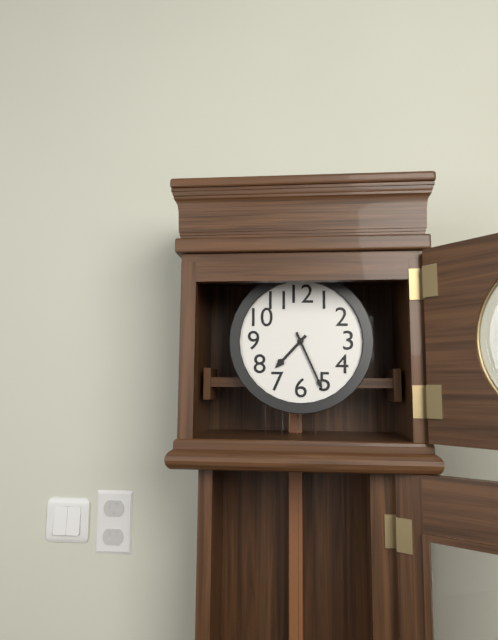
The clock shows 7.26
